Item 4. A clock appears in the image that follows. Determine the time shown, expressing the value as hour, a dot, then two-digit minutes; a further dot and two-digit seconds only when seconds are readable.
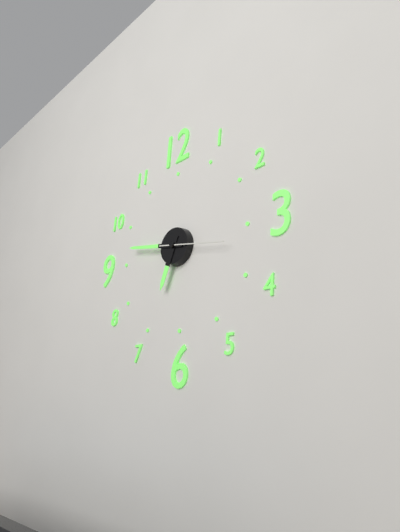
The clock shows 6.47.17
